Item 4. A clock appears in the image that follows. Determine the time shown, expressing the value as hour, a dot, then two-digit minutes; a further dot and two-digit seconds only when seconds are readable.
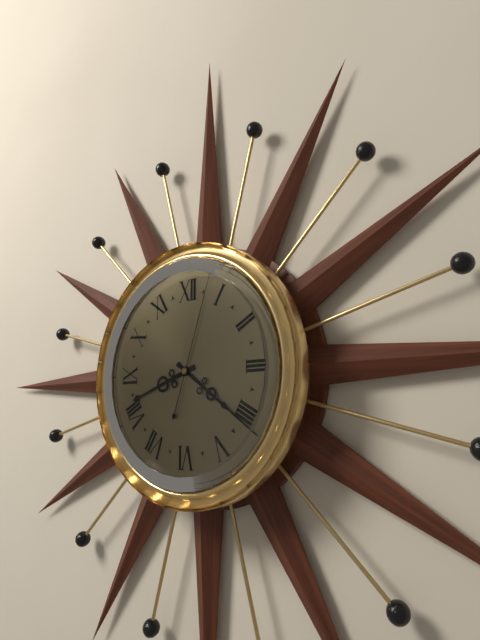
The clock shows 8.21.03
